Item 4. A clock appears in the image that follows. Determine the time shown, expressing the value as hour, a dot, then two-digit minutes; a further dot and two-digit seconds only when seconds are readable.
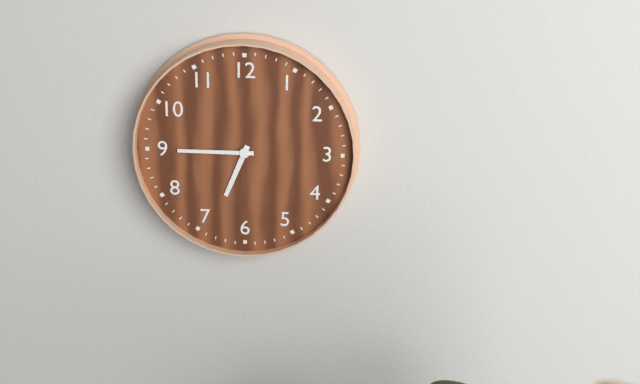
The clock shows 6.45
